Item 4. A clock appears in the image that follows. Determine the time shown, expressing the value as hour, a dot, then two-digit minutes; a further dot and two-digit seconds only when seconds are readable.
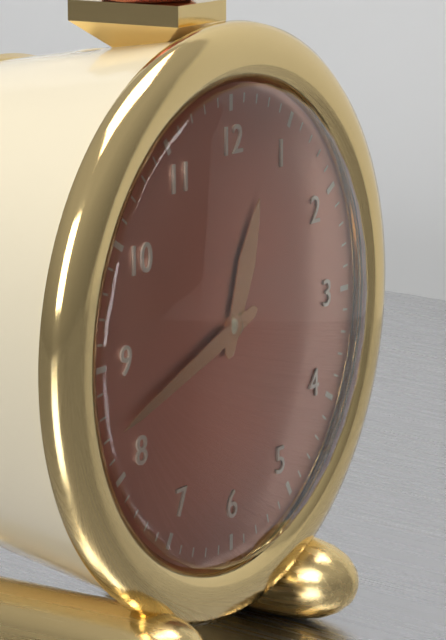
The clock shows 12.42
